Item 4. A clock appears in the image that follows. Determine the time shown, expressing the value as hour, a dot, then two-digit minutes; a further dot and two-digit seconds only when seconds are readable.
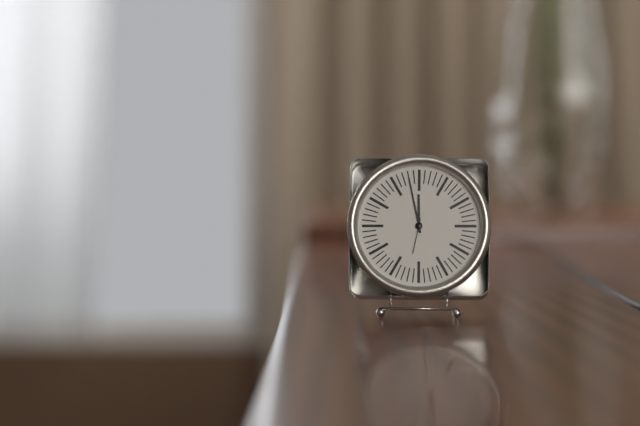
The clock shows 11.58
